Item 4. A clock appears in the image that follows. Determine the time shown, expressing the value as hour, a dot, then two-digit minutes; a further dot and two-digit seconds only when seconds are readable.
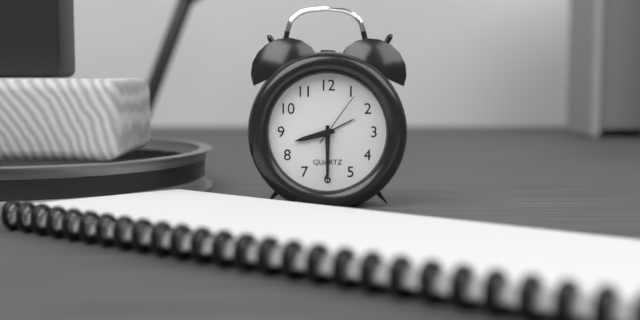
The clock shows 8.30.06
